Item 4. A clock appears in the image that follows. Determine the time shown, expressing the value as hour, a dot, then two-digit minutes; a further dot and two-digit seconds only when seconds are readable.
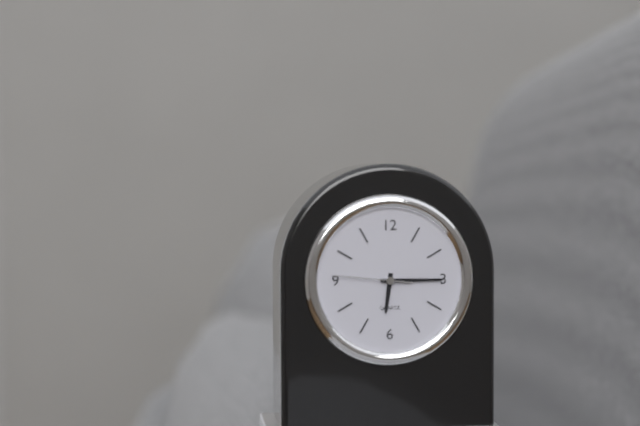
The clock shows 6.15.46
